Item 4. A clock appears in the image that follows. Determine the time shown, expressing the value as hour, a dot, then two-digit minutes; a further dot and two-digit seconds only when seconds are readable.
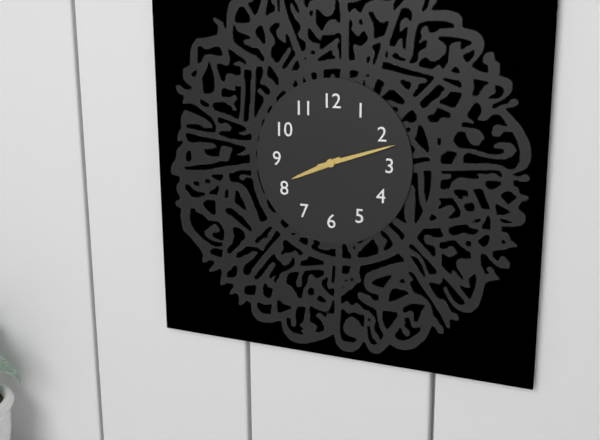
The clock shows 8.12
